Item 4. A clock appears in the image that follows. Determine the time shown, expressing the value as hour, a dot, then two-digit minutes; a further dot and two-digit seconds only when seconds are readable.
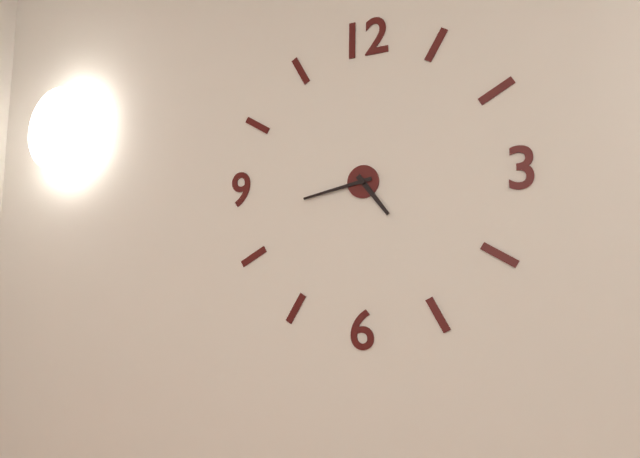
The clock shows 4.43
